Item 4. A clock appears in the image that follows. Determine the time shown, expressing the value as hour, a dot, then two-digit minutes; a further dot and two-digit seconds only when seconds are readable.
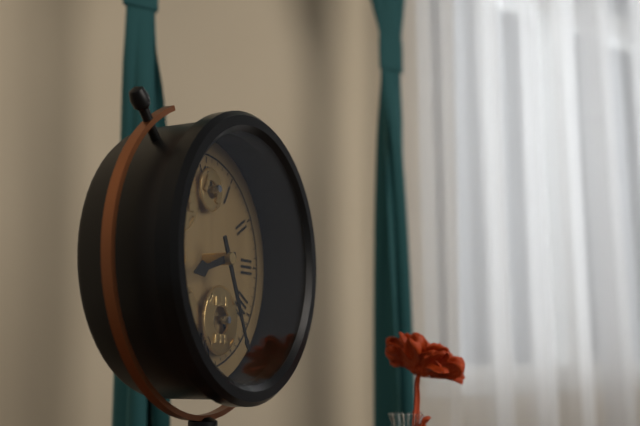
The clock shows 8.26
